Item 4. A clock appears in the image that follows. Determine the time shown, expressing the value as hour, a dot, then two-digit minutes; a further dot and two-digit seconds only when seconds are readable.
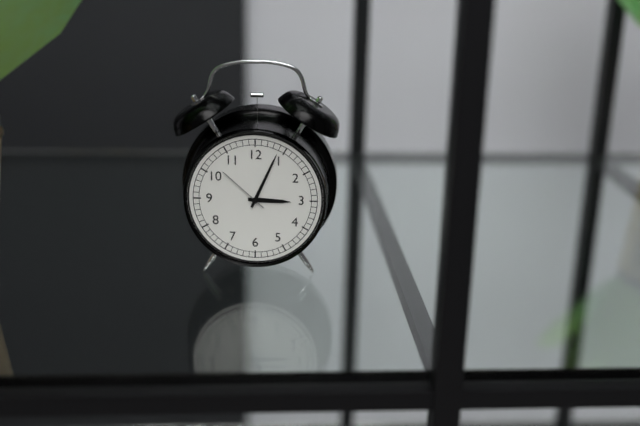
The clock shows 3.04.52
